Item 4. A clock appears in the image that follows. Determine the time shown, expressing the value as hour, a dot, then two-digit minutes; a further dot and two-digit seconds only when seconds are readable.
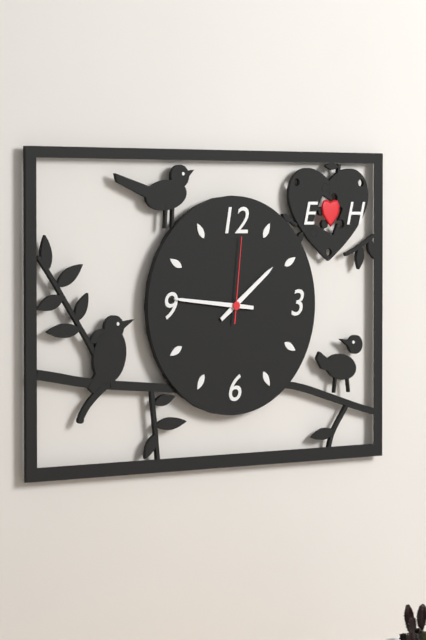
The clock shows 1.46.01
